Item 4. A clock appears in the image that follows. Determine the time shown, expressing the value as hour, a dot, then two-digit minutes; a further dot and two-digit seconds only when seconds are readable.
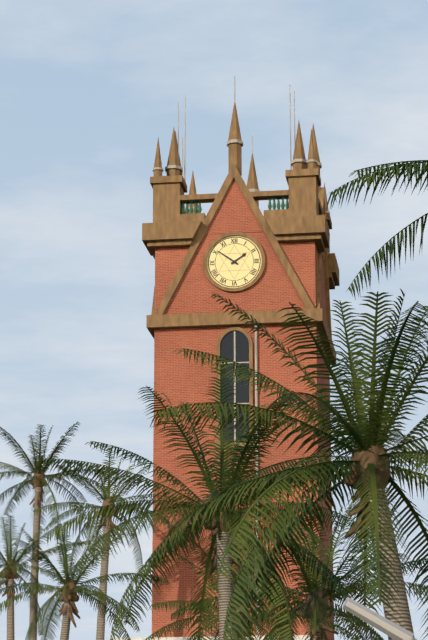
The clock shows 1.51
